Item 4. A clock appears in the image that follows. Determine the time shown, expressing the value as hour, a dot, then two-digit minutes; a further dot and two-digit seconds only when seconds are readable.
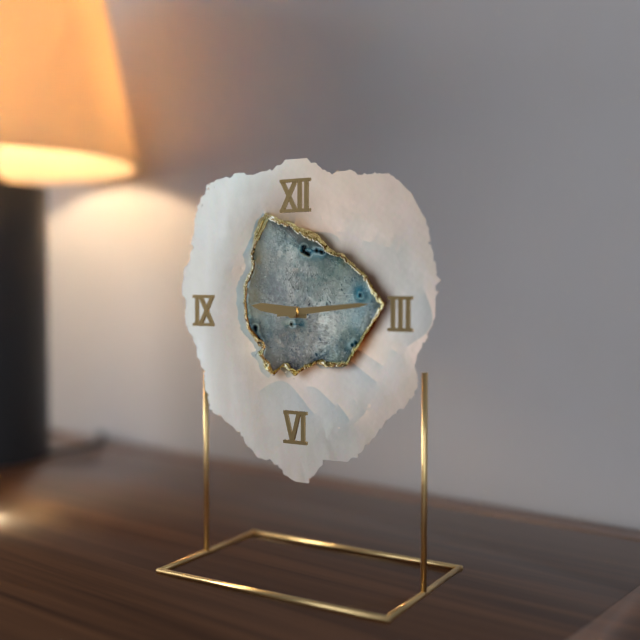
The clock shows 9.14
